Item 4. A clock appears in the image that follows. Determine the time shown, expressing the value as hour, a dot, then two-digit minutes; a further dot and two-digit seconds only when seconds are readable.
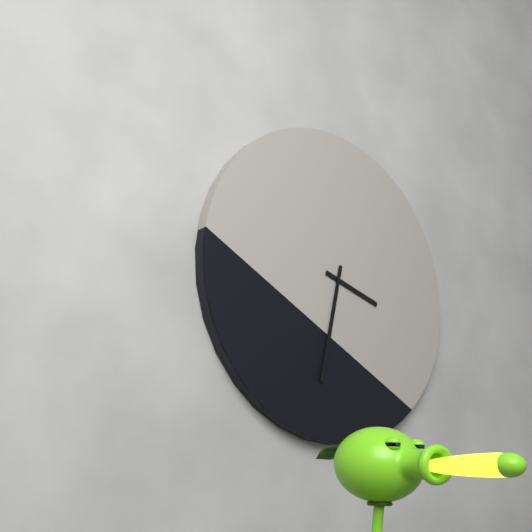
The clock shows 3.32
